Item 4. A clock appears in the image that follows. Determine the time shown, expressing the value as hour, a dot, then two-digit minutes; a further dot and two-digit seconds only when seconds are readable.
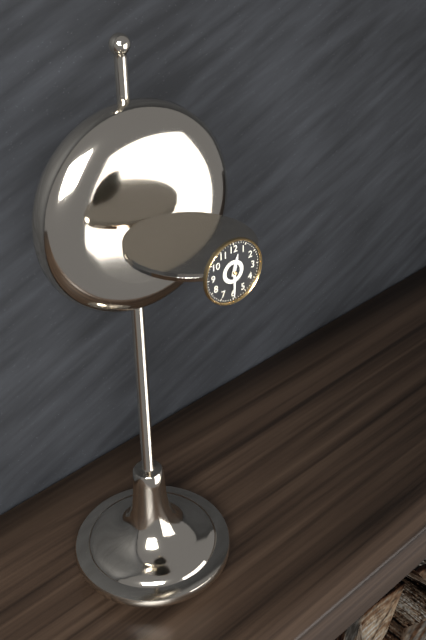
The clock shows 12.30
